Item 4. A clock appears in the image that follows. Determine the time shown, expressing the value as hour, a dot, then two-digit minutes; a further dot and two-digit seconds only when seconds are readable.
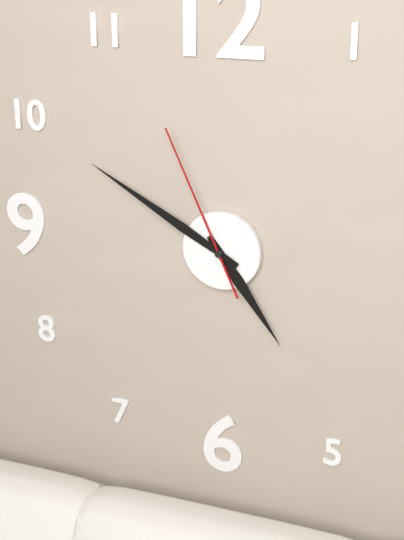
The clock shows 4.50.56
